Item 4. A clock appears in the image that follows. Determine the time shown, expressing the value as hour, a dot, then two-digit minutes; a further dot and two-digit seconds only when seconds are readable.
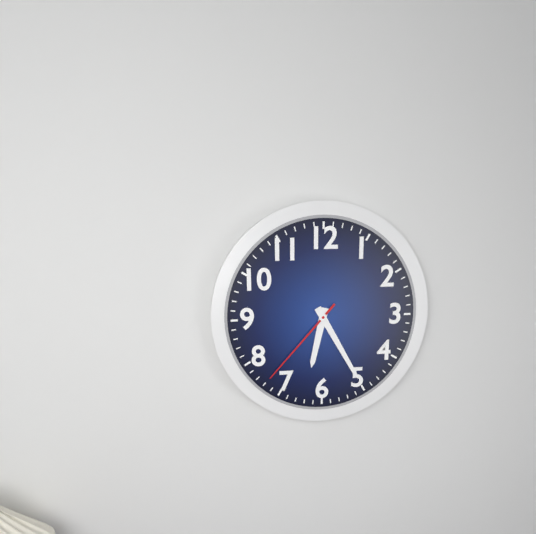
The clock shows 6.25.37
